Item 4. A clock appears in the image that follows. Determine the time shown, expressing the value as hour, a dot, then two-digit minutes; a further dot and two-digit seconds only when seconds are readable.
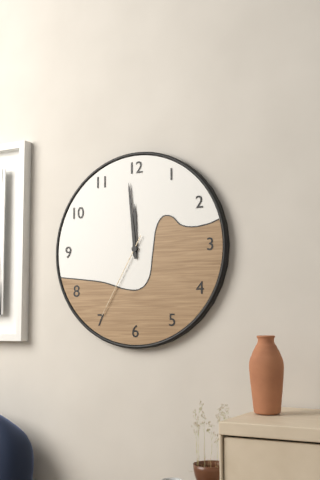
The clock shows 11.59.35
